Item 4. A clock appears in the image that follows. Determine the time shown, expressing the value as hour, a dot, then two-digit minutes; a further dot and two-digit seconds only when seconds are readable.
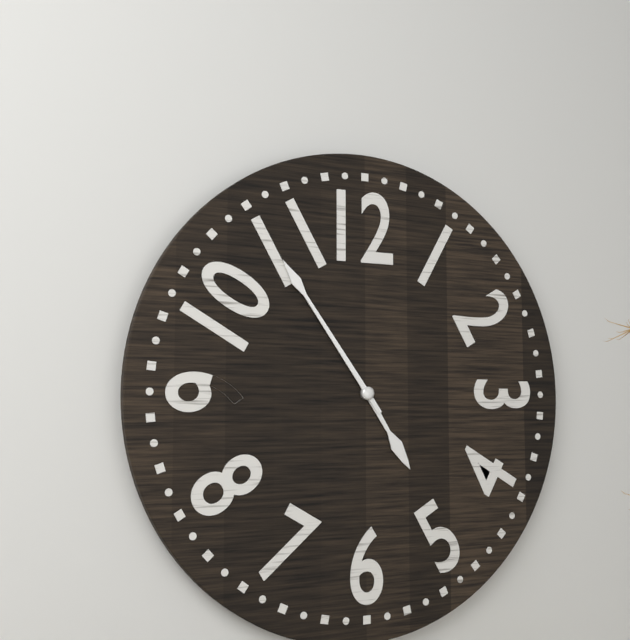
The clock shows 4.54
